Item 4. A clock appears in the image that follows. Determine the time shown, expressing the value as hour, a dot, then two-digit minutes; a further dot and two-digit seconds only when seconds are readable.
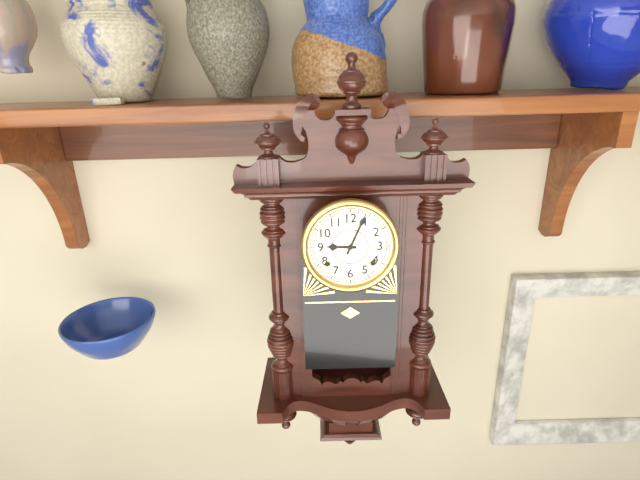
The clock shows 9.04
